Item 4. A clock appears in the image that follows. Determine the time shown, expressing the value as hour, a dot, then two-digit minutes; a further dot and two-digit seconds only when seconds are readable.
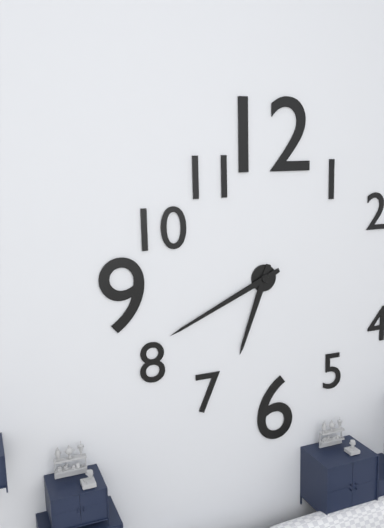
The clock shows 6.41
